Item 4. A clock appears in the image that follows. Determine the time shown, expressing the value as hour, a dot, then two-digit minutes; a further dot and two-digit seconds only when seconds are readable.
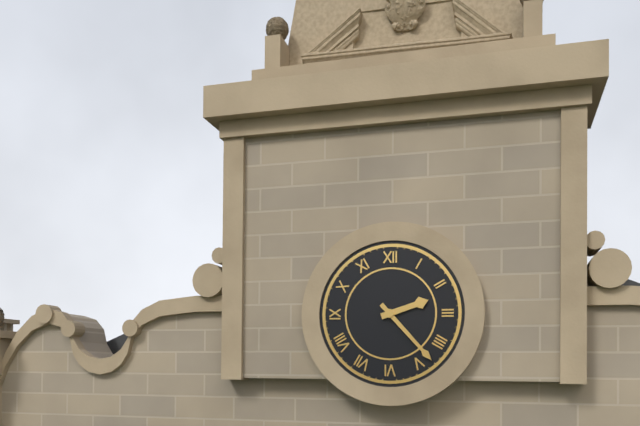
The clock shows 2.23
